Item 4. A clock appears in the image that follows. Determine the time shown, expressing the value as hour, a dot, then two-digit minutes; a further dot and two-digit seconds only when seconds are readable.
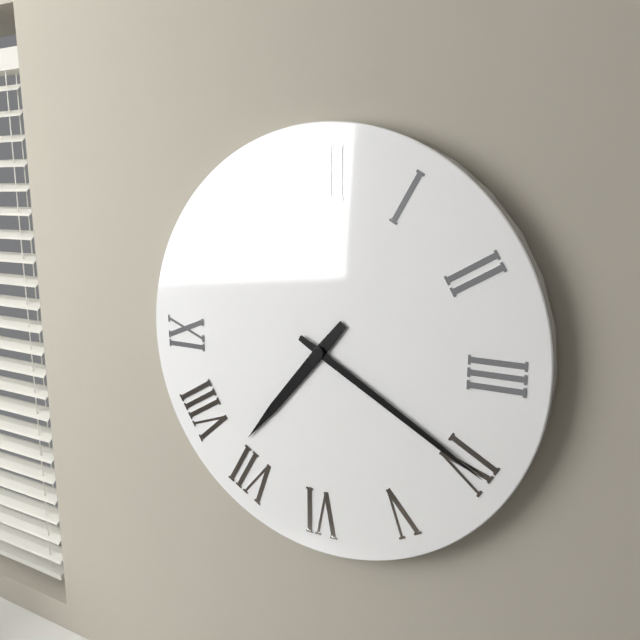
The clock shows 7.20
